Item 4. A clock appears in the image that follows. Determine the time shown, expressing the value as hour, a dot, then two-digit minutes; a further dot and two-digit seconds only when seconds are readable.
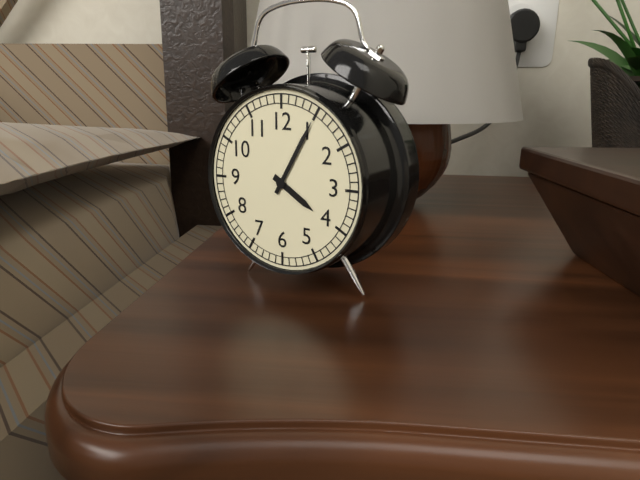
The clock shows 4.05
